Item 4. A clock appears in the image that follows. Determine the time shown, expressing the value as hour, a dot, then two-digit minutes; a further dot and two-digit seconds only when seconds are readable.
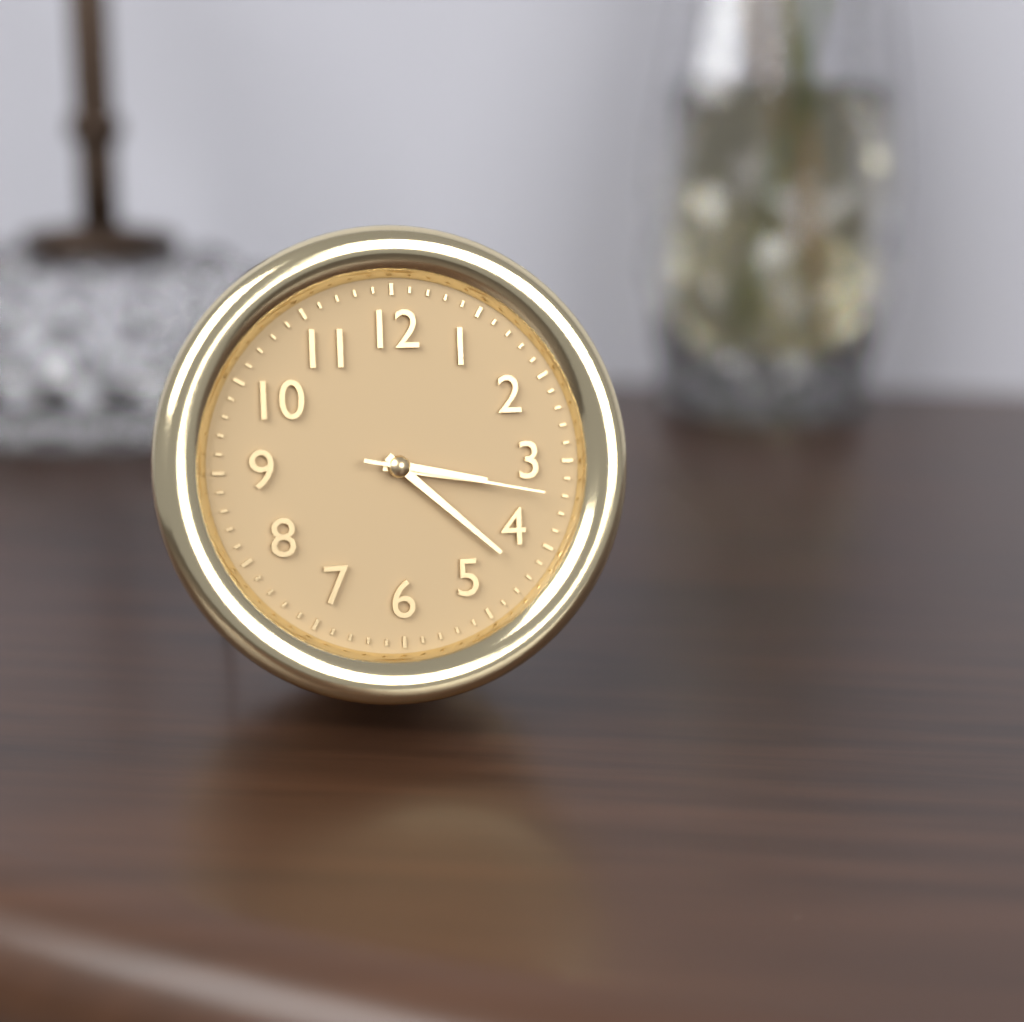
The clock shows 3.22.17
